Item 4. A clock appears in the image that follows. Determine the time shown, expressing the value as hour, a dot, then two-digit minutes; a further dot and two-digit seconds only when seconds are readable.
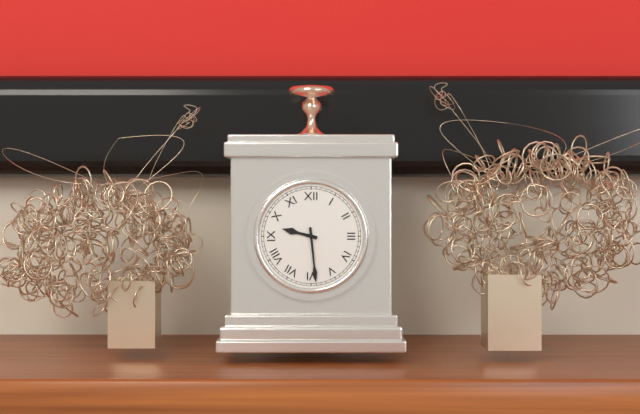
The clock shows 9.29
